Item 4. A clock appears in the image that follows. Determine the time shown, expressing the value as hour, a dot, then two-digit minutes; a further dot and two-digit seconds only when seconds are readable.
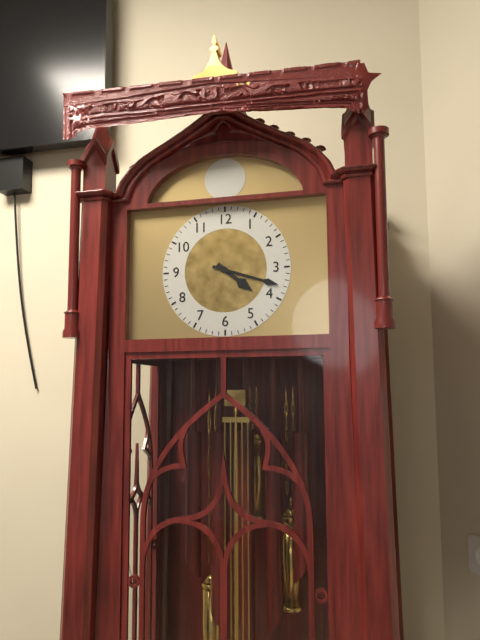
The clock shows 4.18
